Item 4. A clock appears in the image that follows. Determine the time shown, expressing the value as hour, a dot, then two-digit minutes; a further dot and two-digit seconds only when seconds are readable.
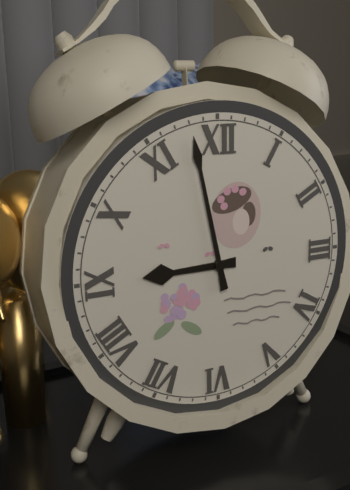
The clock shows 8.58
